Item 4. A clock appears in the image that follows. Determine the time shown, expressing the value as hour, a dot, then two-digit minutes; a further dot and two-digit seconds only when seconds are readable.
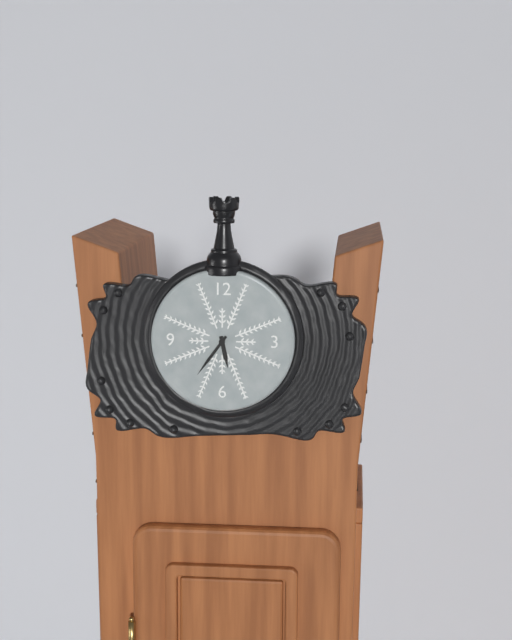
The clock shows 5.36
